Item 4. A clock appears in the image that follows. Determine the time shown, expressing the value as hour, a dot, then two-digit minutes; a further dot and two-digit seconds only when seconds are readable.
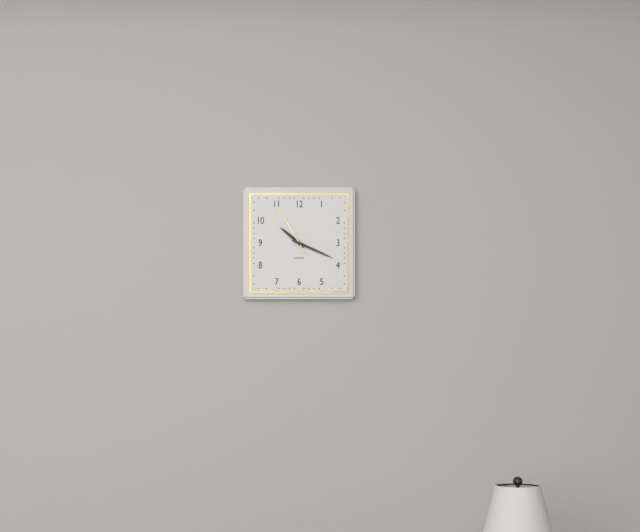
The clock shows 10.19
